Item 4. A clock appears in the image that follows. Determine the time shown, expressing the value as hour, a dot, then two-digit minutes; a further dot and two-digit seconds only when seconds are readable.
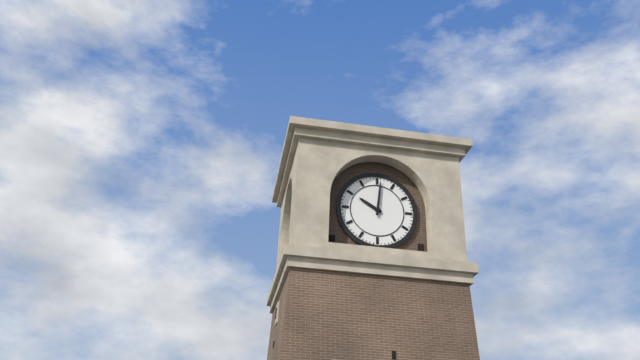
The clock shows 10.01
